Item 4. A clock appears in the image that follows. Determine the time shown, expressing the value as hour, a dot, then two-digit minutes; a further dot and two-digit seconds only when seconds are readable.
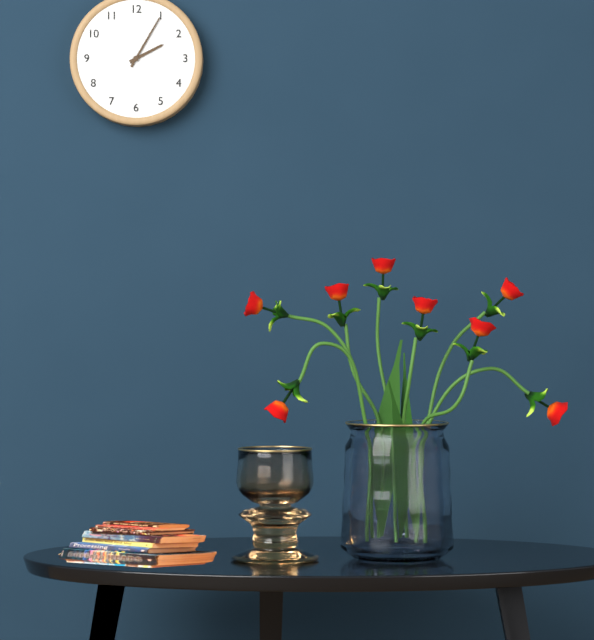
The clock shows 2.05
